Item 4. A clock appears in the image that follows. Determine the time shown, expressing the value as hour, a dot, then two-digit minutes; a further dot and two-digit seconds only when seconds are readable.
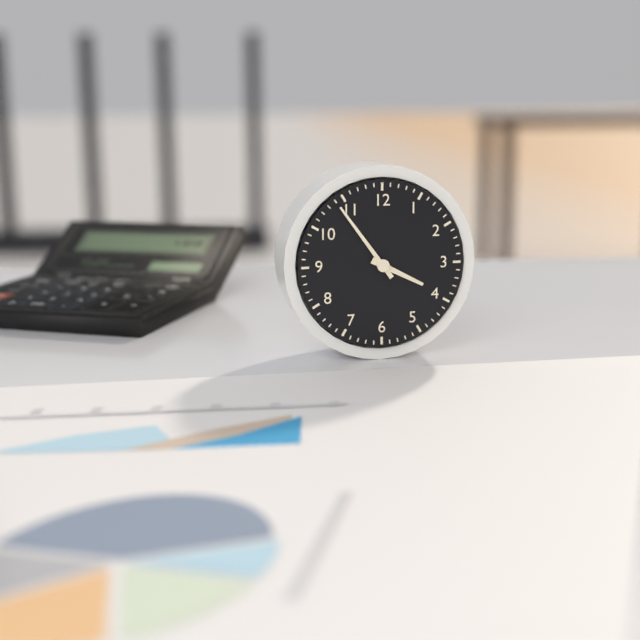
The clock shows 3.54
